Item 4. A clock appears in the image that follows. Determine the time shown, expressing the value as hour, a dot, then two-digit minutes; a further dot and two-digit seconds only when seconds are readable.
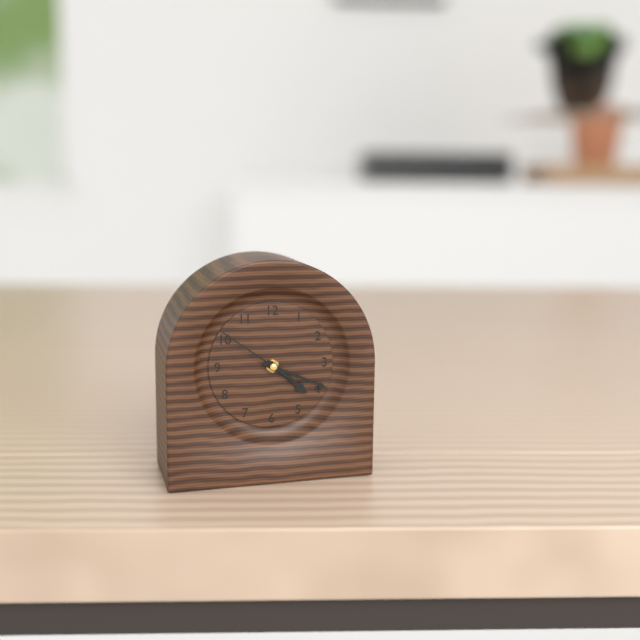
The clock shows 4.19.51
